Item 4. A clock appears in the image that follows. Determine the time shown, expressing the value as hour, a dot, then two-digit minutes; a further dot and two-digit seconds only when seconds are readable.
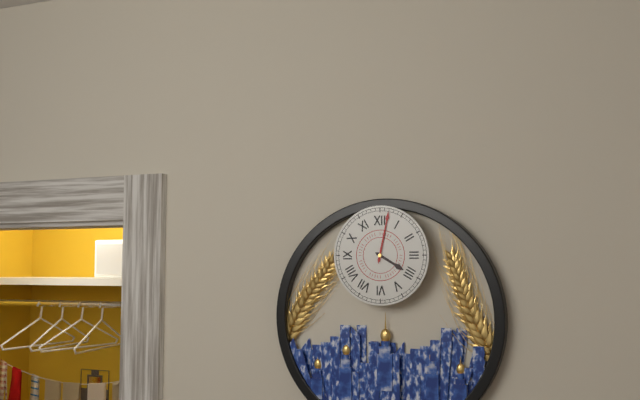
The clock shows 4.02
